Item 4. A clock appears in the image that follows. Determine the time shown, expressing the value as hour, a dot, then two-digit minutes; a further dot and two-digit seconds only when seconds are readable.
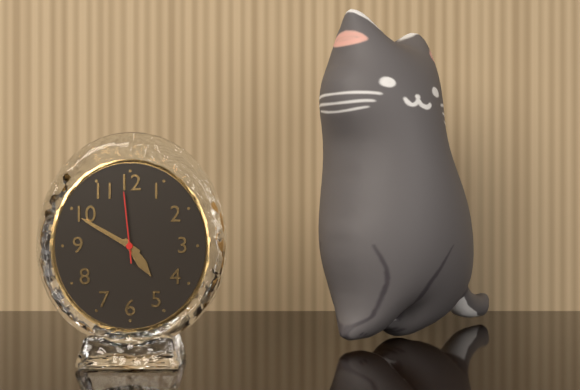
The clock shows 4.50.59
